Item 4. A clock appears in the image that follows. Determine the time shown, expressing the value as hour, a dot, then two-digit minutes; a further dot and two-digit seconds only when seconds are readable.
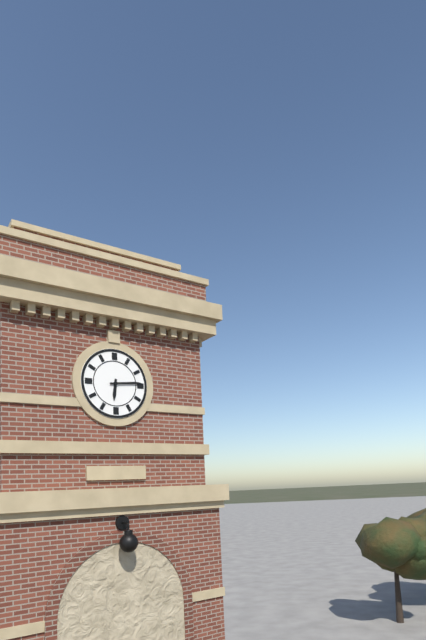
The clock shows 6.14
